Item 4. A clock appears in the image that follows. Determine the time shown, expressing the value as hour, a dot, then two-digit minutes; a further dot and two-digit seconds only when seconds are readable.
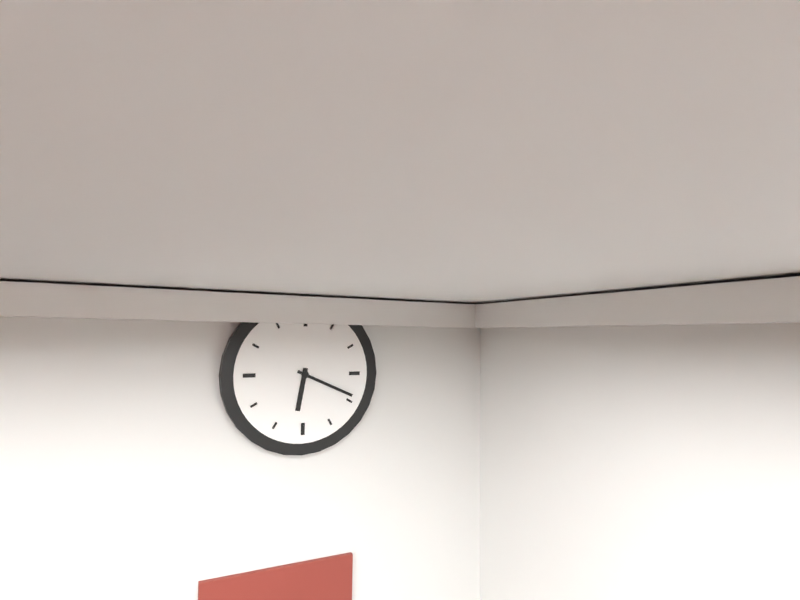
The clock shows 6.19
